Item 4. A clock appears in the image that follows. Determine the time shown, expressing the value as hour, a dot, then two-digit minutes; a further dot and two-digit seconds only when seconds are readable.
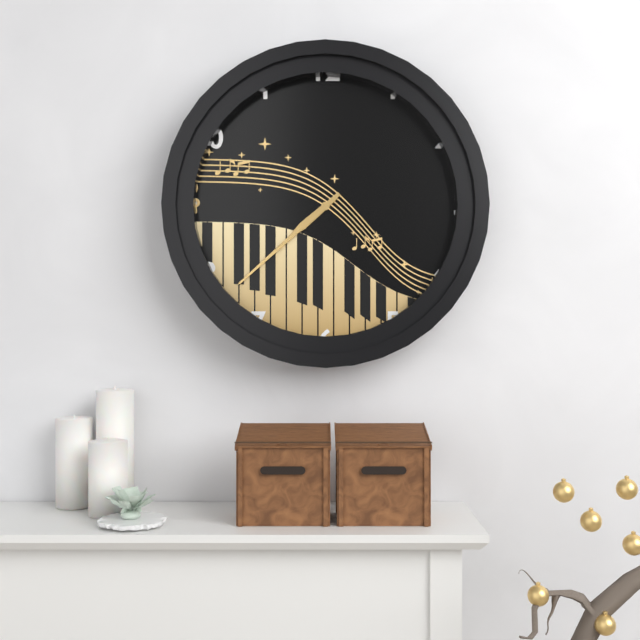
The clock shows 7.38
